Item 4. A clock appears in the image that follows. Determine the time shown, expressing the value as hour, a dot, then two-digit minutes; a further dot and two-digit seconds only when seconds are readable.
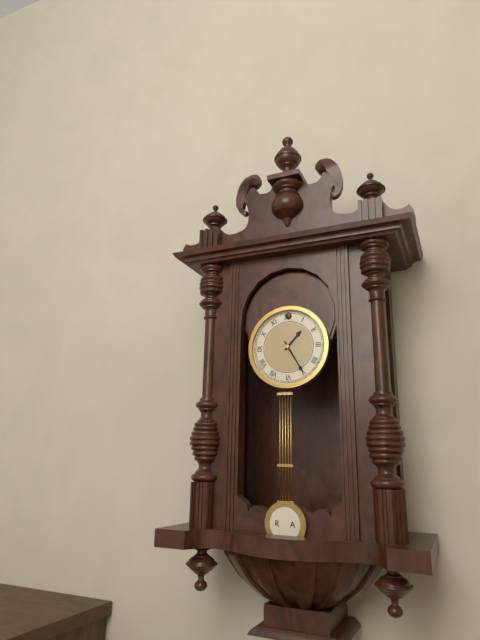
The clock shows 1.25
